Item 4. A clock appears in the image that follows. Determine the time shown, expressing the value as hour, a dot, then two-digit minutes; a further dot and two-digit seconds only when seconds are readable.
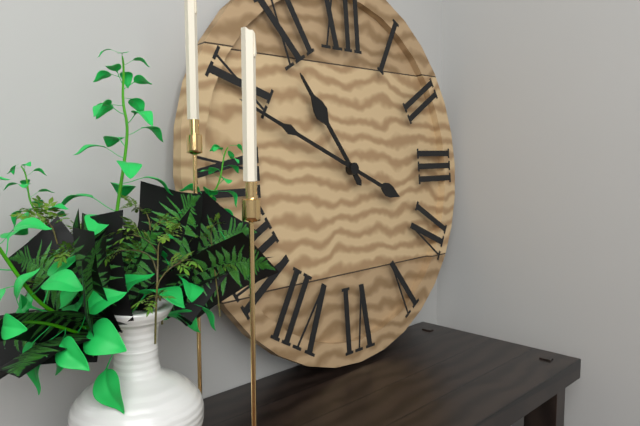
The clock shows 10.49
